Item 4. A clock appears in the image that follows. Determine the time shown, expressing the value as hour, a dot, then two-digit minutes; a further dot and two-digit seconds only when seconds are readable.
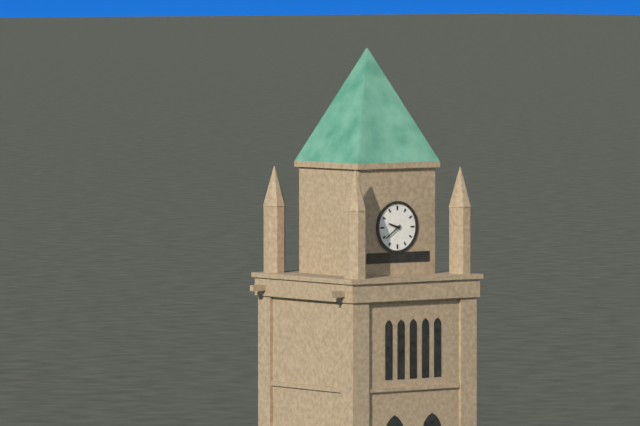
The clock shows 9.39
